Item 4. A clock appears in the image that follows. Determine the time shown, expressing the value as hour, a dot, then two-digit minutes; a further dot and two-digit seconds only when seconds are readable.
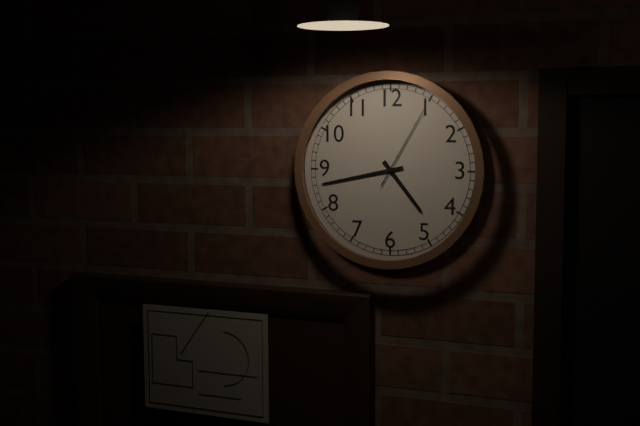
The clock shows 4.43.05
